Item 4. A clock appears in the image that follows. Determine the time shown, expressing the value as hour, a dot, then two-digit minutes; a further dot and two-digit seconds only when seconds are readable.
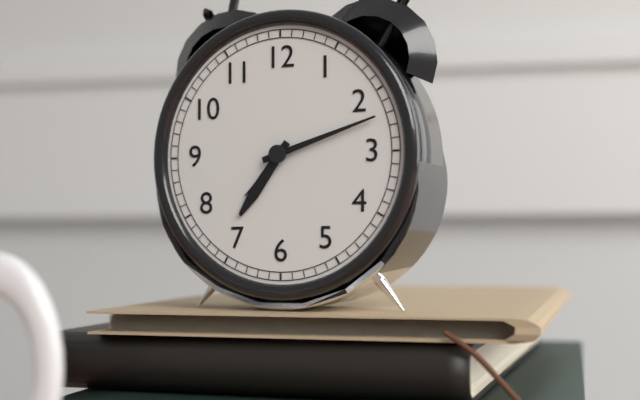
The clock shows 7.12
